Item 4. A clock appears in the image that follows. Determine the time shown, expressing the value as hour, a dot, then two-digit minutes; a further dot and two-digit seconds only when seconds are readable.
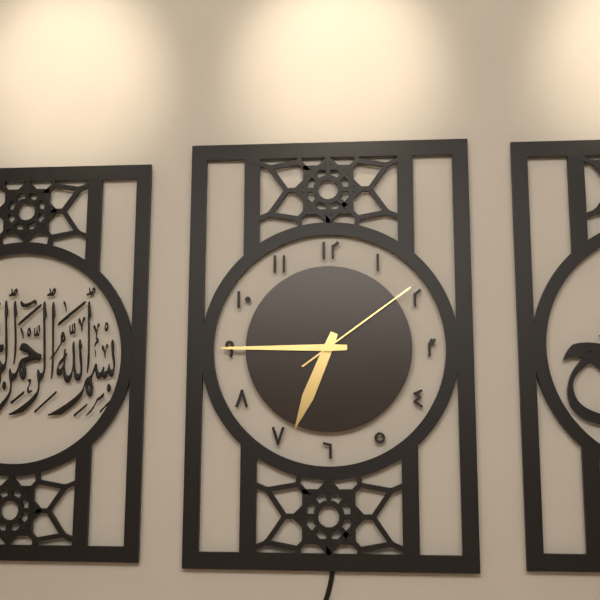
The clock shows 6.45.09
